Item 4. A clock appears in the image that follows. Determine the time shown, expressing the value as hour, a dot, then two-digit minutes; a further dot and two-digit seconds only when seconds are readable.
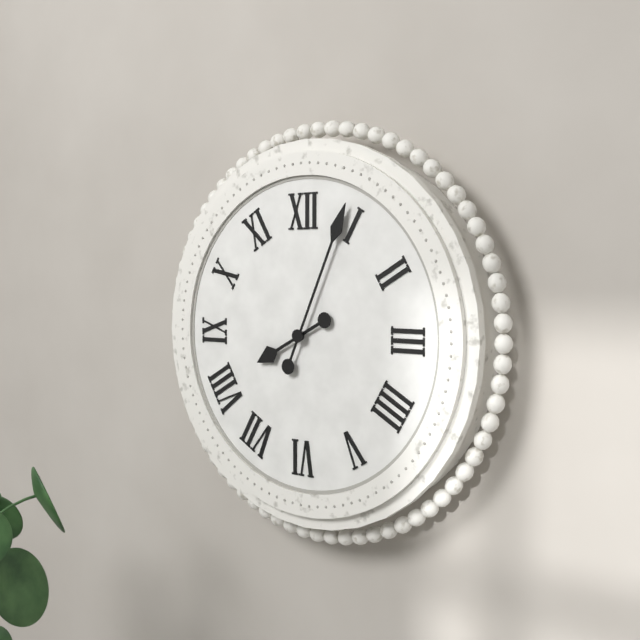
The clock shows 8.04
